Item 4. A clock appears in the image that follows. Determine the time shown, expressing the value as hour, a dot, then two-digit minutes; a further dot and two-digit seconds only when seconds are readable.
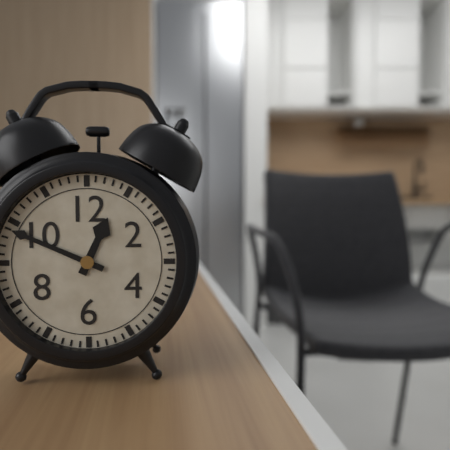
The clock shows 12.49
